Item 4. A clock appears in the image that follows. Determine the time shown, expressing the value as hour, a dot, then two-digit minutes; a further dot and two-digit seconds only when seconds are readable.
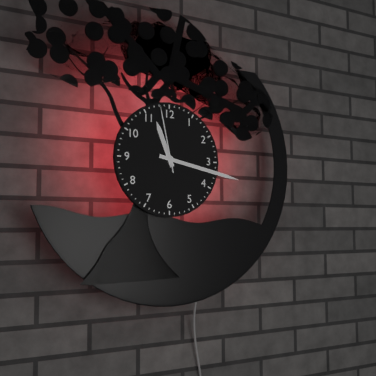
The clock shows 11.17.58
